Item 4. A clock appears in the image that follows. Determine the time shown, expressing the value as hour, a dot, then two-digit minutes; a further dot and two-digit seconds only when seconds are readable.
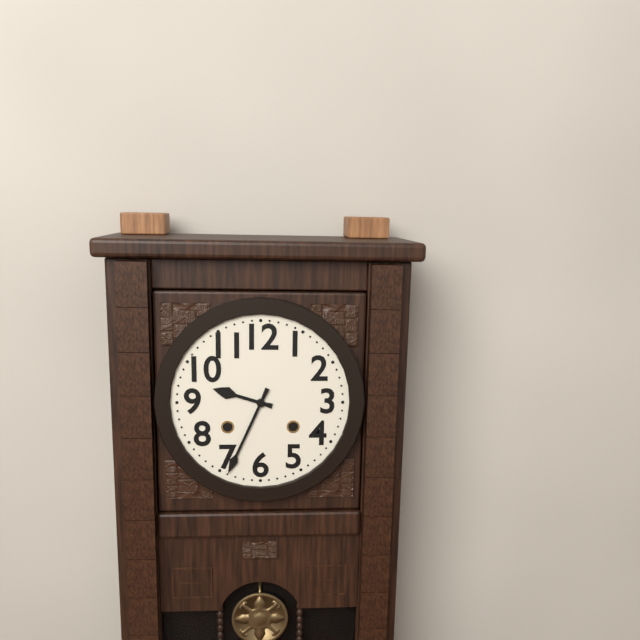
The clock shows 9.34
